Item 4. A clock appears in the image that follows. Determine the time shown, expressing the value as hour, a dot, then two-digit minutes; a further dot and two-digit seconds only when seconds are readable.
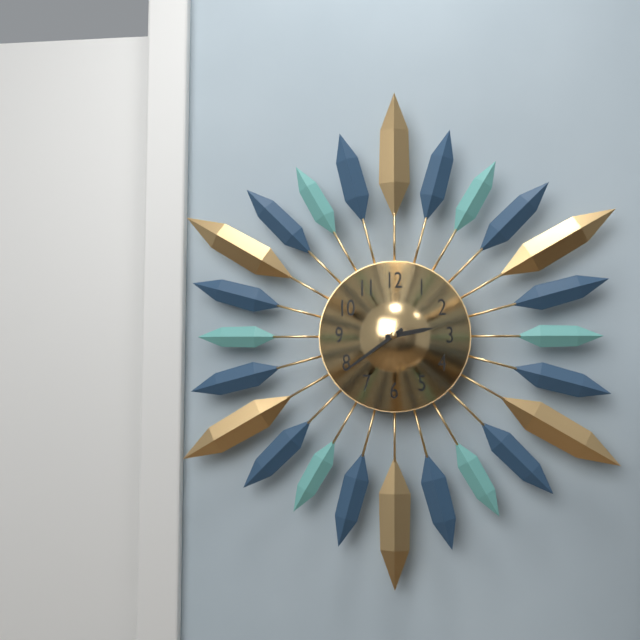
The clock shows 2.39
